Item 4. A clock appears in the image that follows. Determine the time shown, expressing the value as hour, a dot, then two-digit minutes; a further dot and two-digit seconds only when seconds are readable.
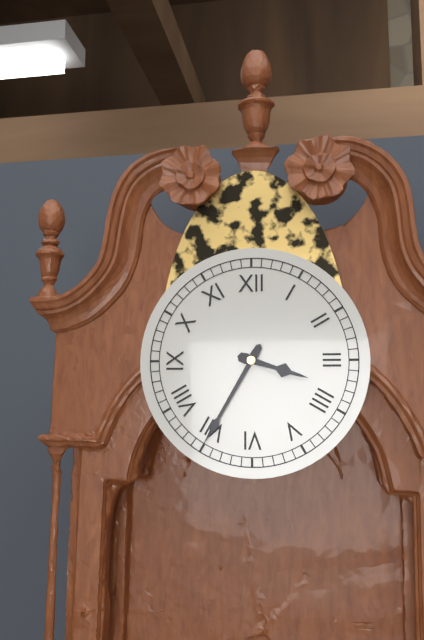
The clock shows 3.35
